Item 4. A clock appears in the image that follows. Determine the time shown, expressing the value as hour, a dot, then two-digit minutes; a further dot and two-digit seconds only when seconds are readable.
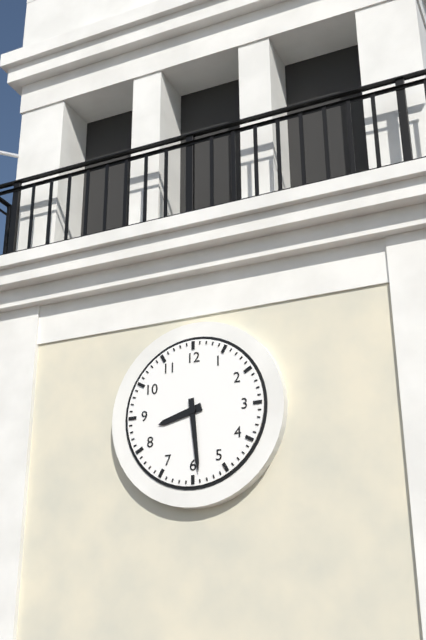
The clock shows 8.29
